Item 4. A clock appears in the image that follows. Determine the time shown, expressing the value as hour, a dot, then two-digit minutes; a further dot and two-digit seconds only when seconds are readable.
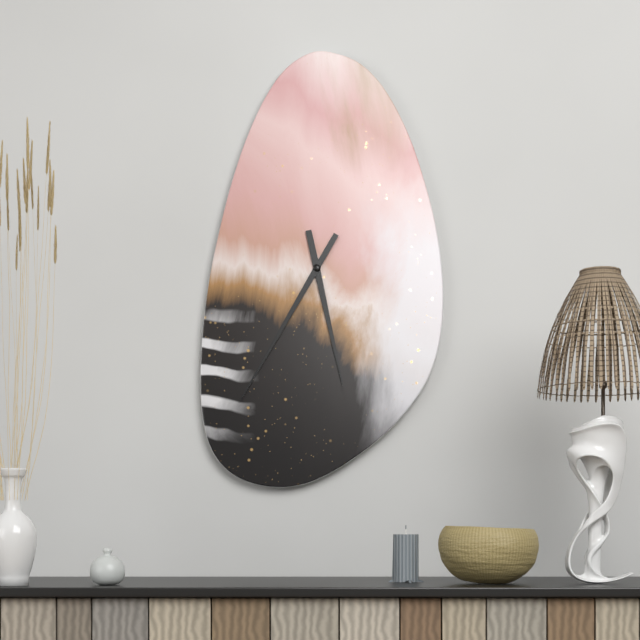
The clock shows 5.35
